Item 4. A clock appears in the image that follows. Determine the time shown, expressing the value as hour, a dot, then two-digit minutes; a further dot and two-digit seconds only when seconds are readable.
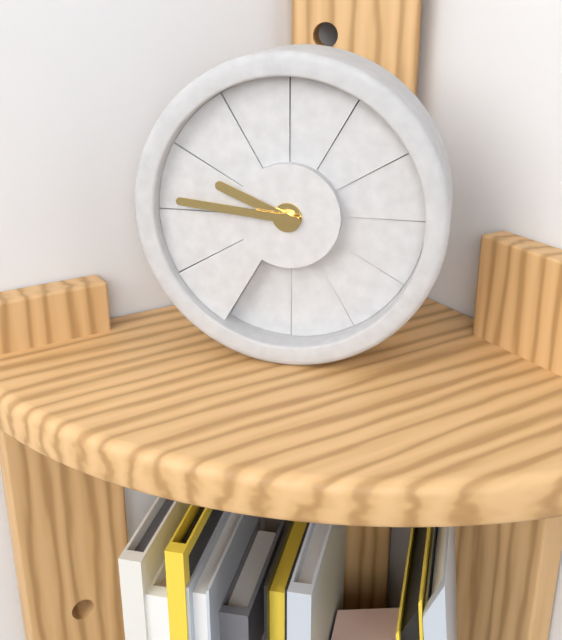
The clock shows 9.46
